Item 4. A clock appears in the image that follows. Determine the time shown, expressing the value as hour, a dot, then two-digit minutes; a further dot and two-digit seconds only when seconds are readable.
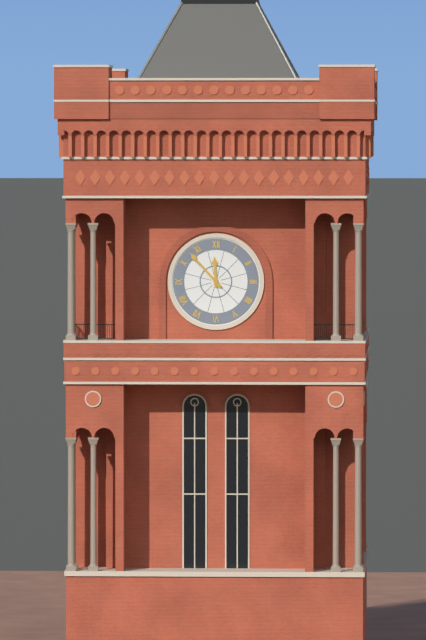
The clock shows 11.53
